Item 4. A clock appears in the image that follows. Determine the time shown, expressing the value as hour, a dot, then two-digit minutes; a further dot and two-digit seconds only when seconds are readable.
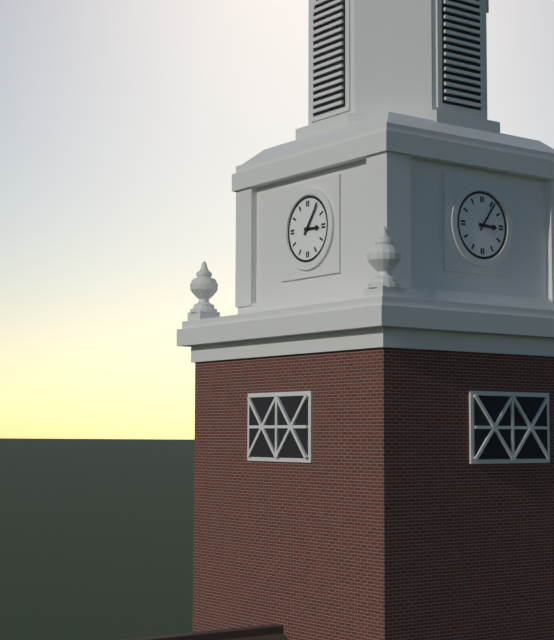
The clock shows 3.06
